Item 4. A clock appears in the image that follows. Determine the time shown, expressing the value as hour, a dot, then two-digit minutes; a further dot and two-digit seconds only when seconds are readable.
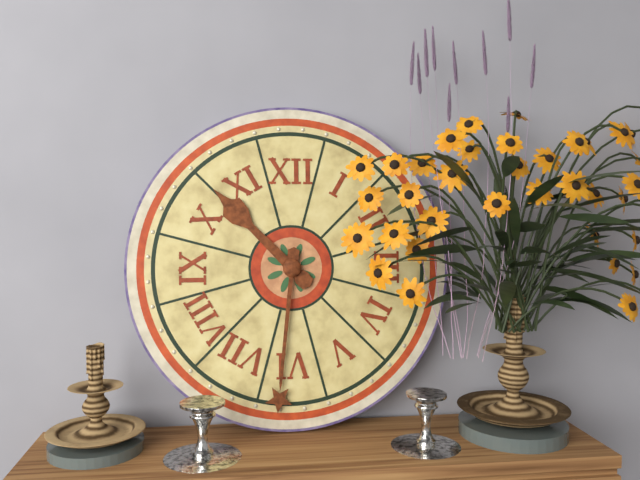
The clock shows 10.31
